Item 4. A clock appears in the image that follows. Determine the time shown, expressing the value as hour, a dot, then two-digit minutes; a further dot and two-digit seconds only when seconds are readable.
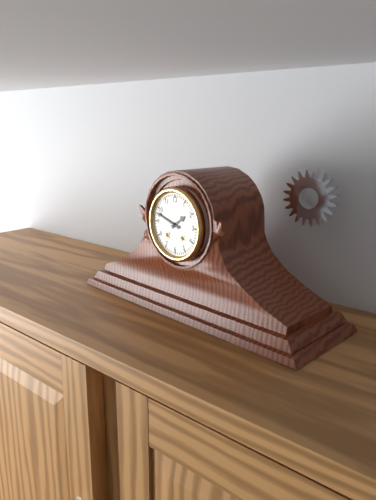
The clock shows 1.48
